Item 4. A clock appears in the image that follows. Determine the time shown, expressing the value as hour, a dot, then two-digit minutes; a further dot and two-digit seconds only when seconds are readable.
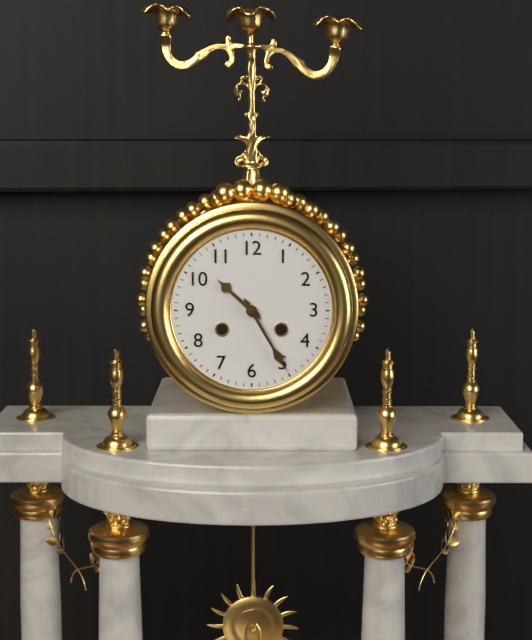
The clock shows 10.25
